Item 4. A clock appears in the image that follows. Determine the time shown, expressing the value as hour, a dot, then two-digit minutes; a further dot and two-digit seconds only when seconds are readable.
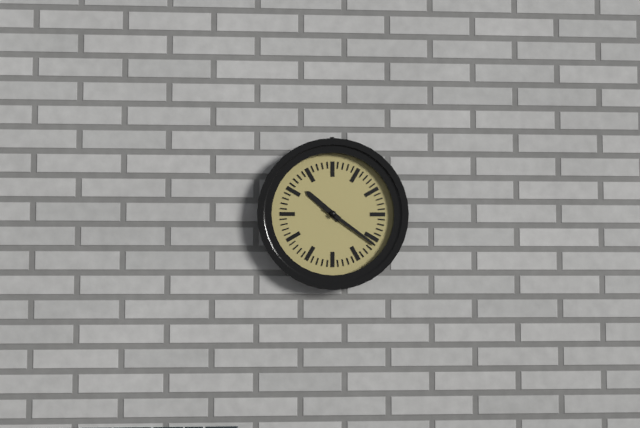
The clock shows 10.21
